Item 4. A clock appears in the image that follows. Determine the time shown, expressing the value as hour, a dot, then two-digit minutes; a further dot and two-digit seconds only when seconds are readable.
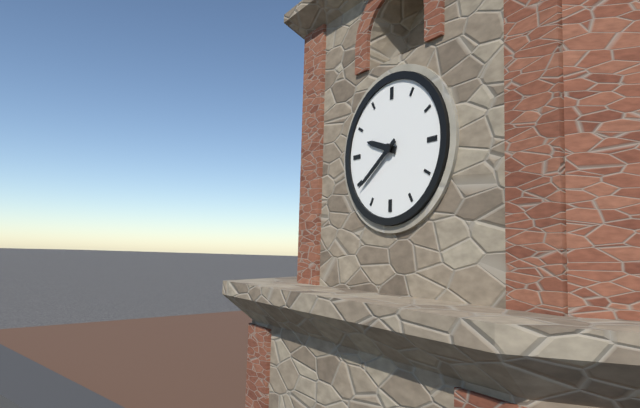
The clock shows 9.39
